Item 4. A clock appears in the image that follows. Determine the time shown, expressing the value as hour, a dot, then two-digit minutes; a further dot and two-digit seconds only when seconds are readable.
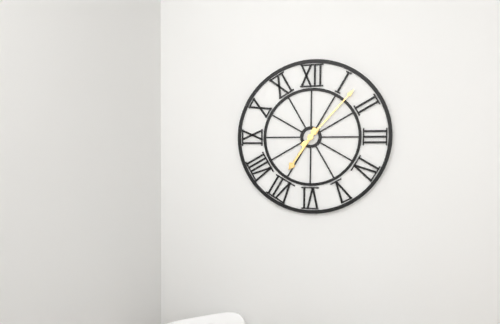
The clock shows 7.07
